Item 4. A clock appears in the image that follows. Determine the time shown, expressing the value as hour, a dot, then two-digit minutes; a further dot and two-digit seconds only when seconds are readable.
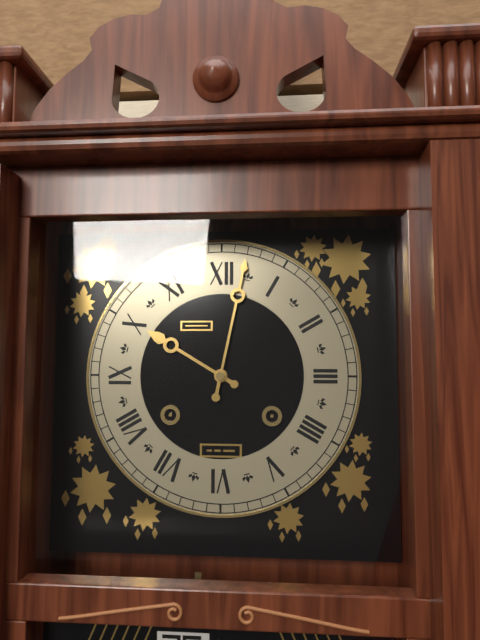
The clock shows 10.02
